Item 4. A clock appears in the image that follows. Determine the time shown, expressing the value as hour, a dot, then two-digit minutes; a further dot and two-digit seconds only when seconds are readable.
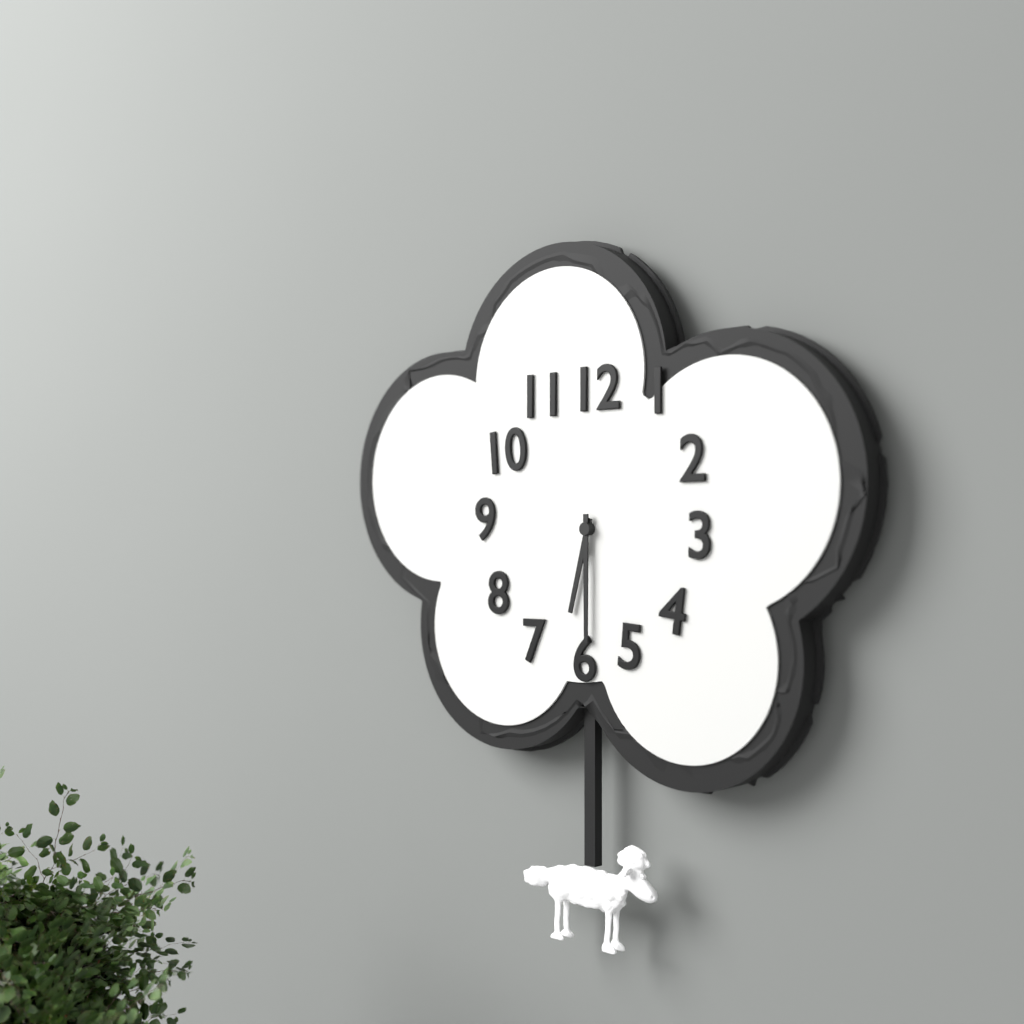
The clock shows 6.30
